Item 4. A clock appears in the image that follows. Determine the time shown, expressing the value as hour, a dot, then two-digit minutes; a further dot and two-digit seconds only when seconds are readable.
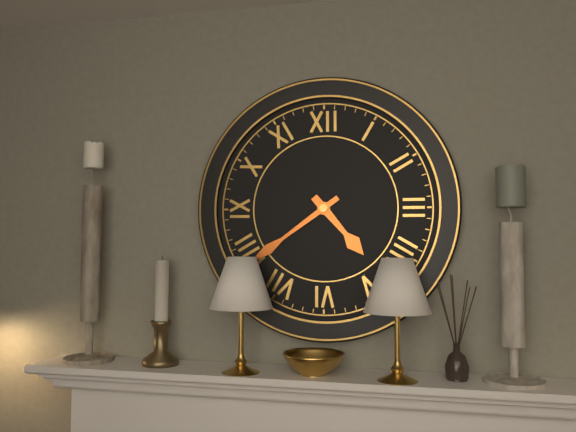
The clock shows 4.39
